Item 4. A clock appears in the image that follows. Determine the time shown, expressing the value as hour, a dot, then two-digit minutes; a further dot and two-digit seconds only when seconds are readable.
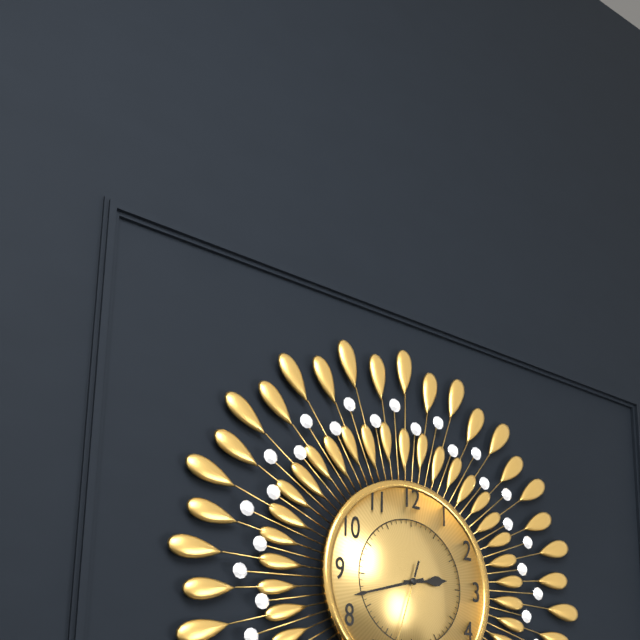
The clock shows 2.42
